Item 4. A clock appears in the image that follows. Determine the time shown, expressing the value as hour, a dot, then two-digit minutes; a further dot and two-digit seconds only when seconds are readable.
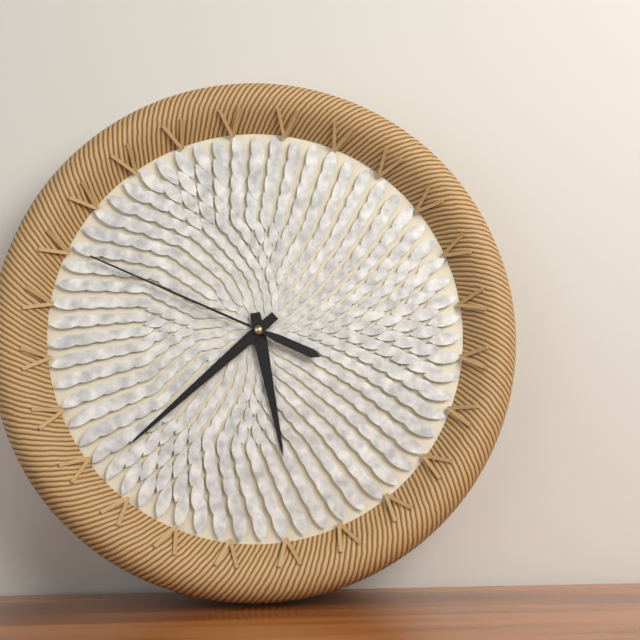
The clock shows 5.38.49
